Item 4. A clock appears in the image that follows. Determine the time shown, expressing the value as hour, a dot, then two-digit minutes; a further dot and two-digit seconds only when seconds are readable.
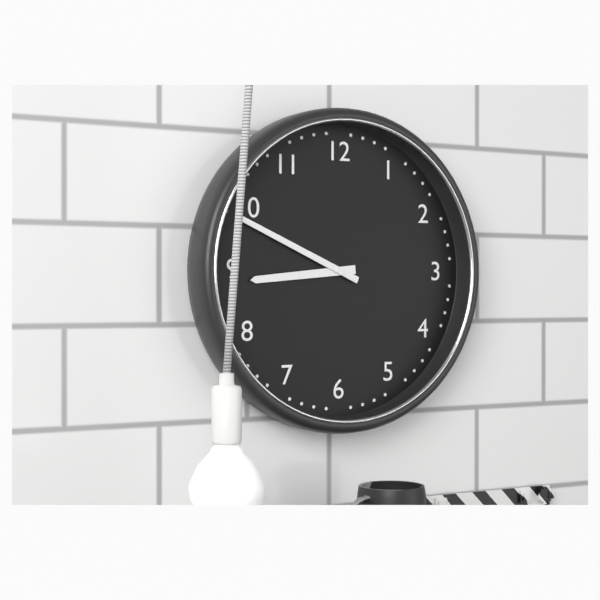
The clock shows 8.49
